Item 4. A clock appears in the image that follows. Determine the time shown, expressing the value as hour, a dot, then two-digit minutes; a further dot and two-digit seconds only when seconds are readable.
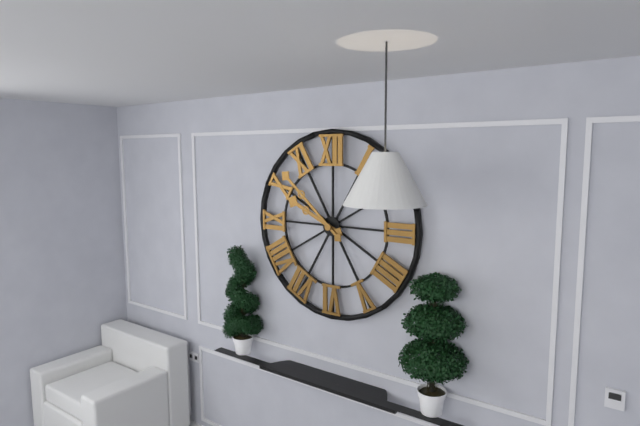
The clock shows 9.52
